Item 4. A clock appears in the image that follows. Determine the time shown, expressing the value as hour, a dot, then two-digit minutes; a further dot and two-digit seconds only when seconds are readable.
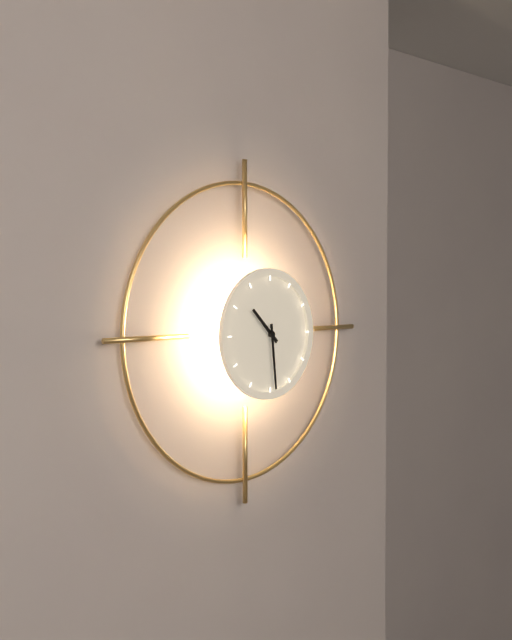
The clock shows 10.29
